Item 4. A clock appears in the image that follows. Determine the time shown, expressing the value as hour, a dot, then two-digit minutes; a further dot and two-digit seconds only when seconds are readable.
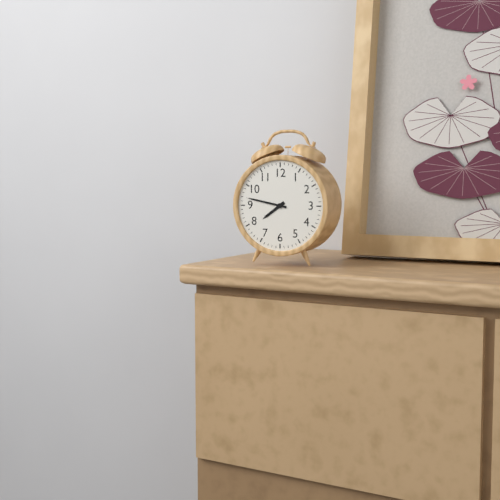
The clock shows 7.47
